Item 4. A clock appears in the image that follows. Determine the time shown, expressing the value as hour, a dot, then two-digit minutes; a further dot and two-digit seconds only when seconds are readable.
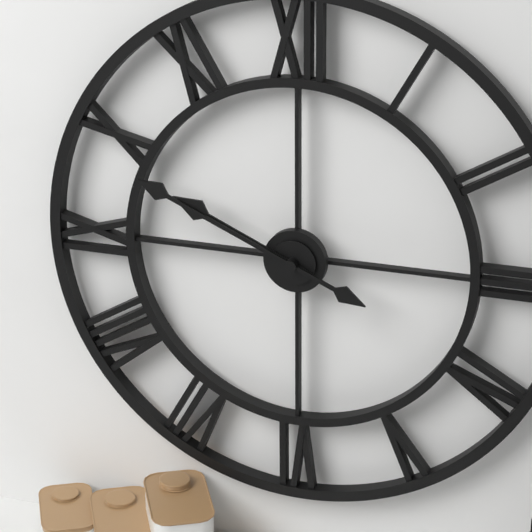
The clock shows 9.49
